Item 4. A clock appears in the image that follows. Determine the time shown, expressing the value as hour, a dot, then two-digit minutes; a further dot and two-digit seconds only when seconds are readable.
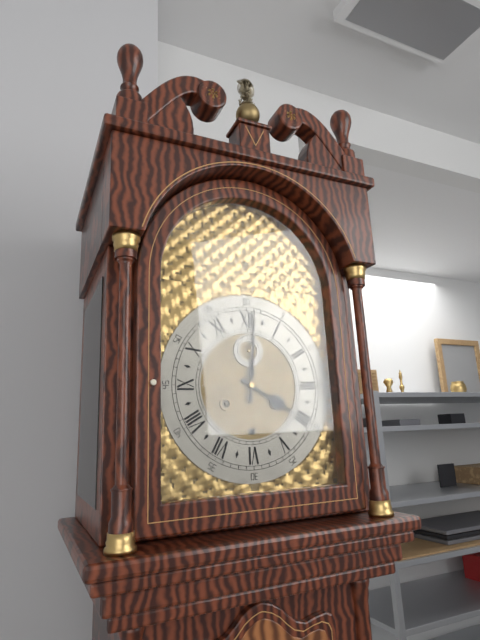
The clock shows 4.01
